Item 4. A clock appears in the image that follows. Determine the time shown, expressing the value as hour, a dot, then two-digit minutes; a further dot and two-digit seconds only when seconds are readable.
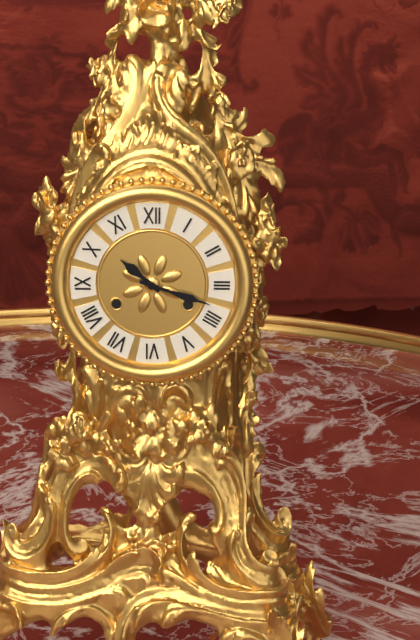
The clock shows 10.18
